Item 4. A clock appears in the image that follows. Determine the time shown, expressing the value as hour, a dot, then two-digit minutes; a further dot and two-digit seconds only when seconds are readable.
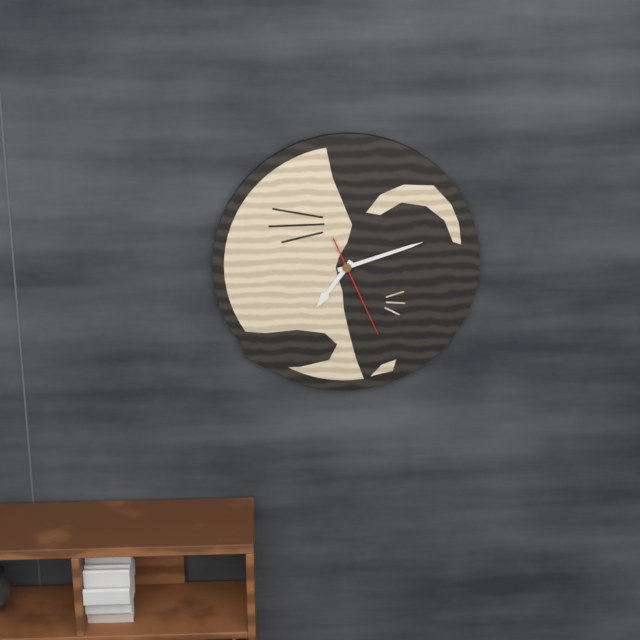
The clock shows 7.12.26
